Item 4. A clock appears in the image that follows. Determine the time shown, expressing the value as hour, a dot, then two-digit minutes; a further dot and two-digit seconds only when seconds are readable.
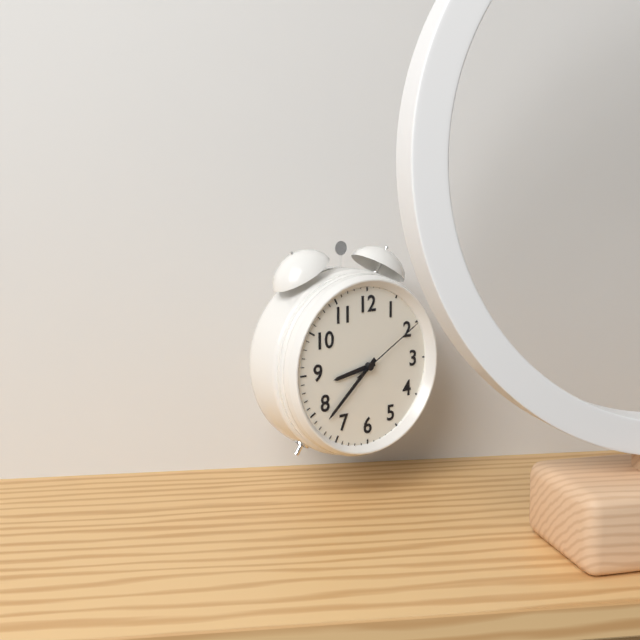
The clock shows 8.38.10
